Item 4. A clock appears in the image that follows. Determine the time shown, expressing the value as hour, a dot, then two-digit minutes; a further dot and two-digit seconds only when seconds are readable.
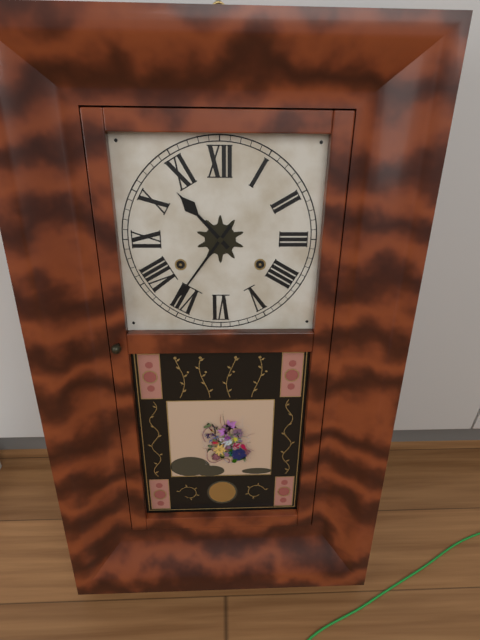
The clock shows 10.36
